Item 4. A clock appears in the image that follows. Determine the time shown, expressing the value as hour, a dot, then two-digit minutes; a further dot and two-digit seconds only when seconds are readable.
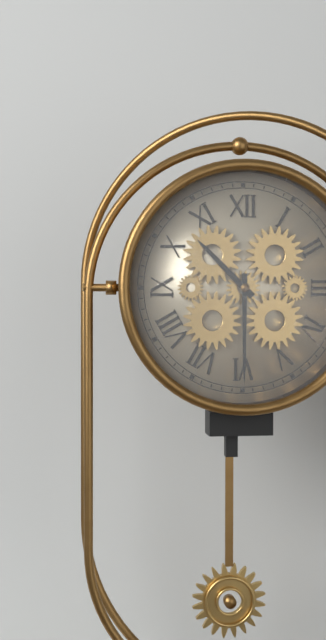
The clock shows 10.30
